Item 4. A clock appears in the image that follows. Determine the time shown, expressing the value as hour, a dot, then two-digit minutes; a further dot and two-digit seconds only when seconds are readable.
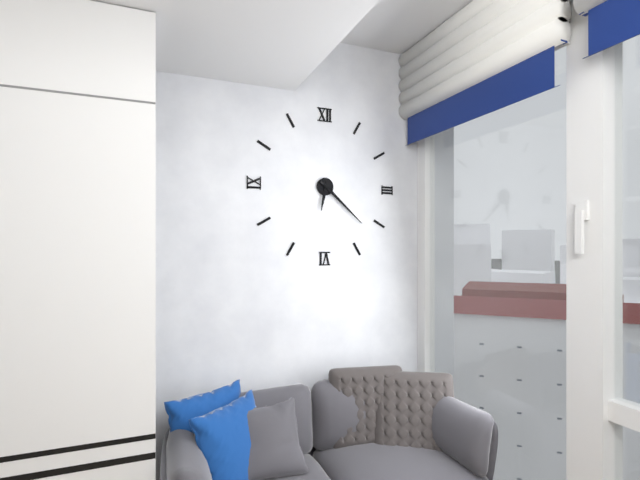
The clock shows 6.22
